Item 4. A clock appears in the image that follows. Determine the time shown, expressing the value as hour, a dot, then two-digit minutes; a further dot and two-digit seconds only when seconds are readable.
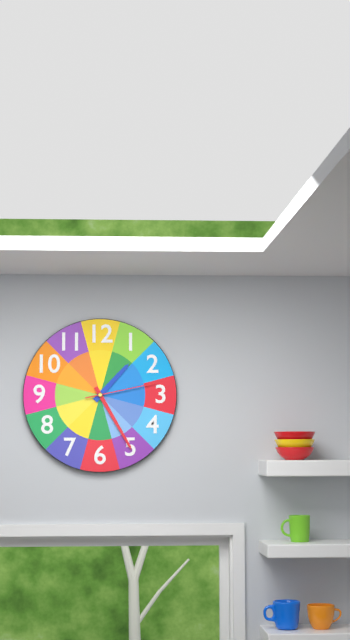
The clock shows 1.25.13
